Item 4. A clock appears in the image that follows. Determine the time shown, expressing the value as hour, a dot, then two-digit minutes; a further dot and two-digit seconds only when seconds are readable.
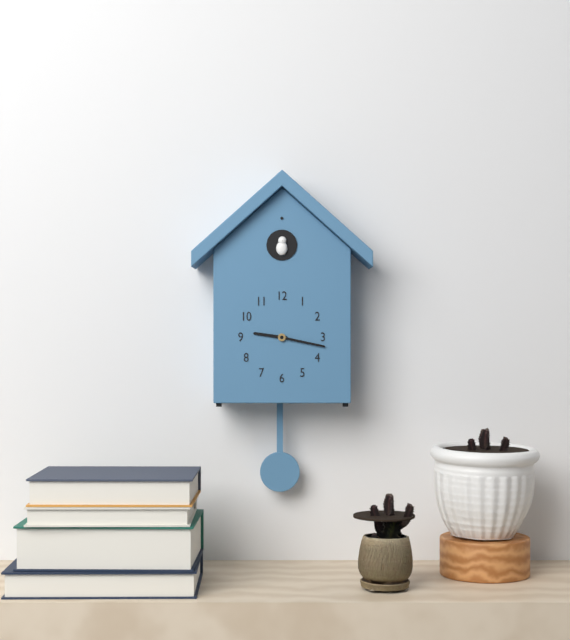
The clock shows 9.17
